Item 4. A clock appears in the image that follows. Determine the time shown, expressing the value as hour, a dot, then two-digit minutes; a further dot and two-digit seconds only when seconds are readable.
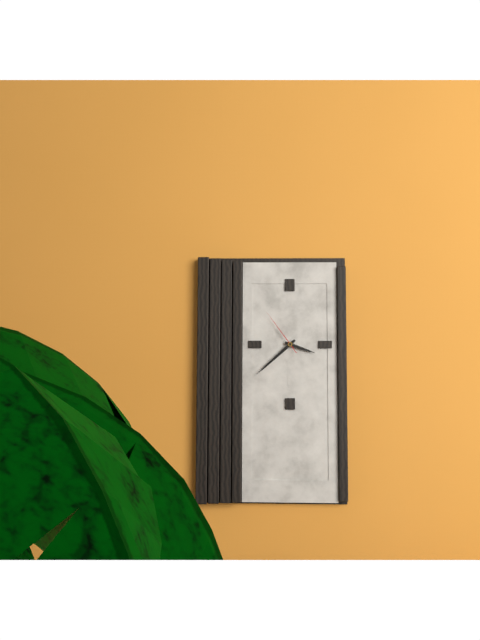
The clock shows 3.38
